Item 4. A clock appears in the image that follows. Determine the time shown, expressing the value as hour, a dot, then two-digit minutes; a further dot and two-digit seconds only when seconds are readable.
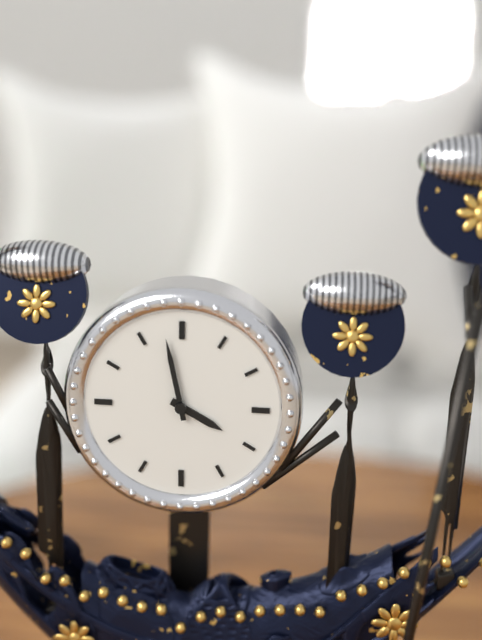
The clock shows 3.58
